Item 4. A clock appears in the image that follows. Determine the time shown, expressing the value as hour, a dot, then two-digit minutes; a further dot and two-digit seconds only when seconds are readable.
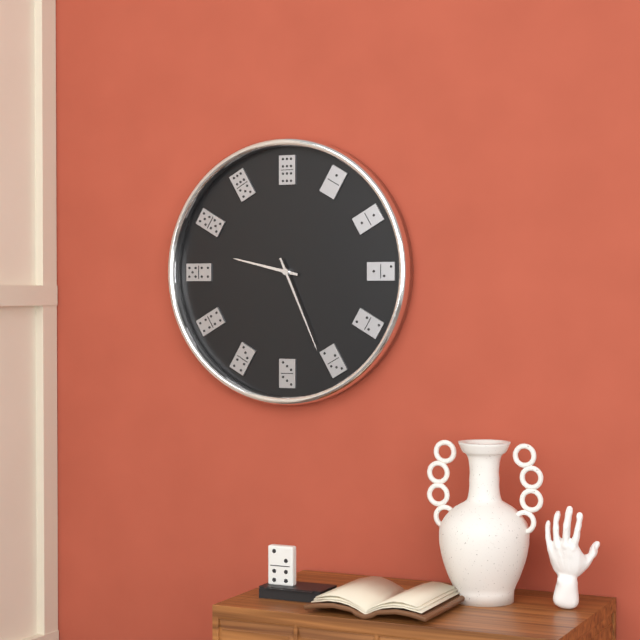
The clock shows 9.26
